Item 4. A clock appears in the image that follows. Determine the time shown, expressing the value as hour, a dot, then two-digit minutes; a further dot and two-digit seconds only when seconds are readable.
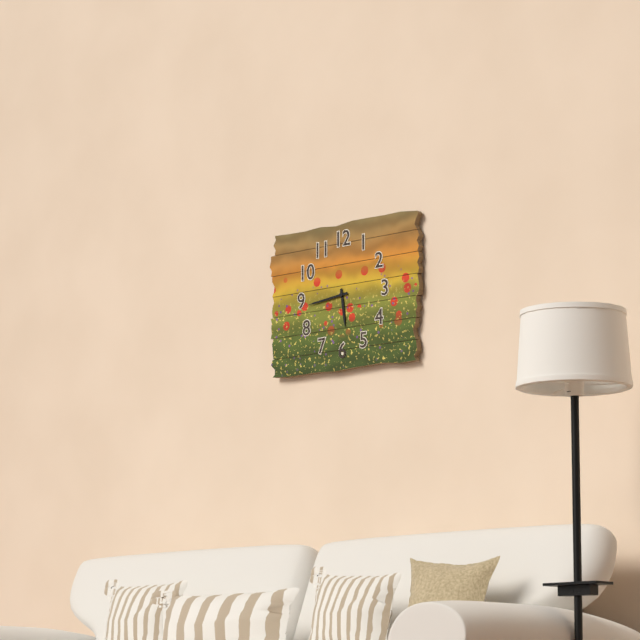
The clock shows 5.44
